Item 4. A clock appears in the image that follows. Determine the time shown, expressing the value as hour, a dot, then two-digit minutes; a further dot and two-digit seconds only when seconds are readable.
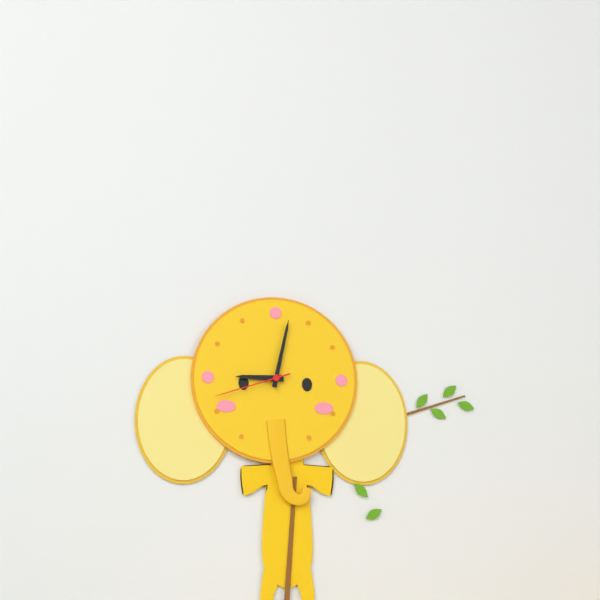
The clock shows 9.02.42
